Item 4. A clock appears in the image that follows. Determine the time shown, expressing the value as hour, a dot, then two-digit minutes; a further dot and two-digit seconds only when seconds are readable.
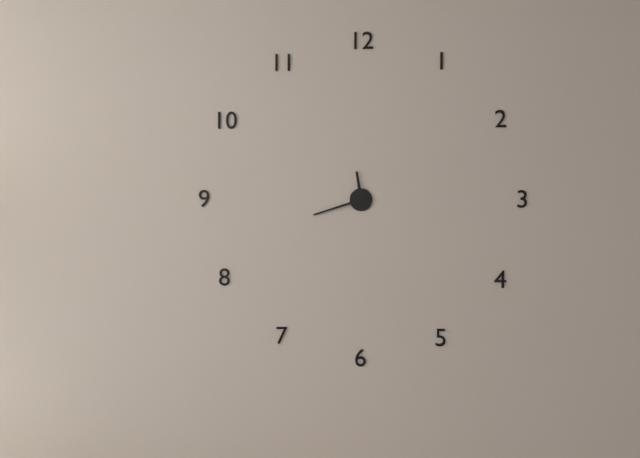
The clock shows 11.42
